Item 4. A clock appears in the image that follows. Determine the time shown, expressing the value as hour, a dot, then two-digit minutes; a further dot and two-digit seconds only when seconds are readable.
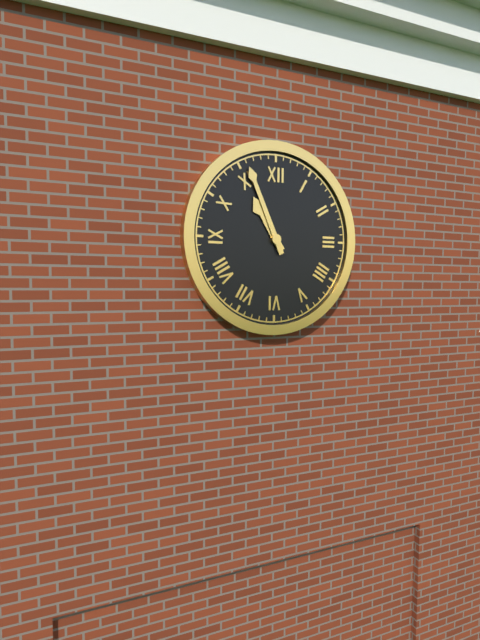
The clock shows 10.56
